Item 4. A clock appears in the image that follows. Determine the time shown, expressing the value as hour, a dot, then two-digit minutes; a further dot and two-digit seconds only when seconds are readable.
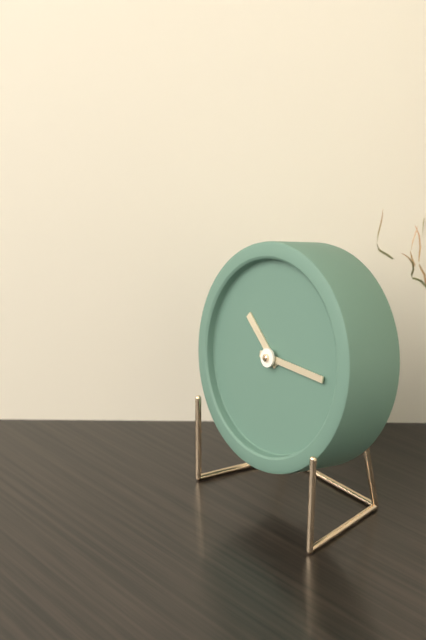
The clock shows 10.15
